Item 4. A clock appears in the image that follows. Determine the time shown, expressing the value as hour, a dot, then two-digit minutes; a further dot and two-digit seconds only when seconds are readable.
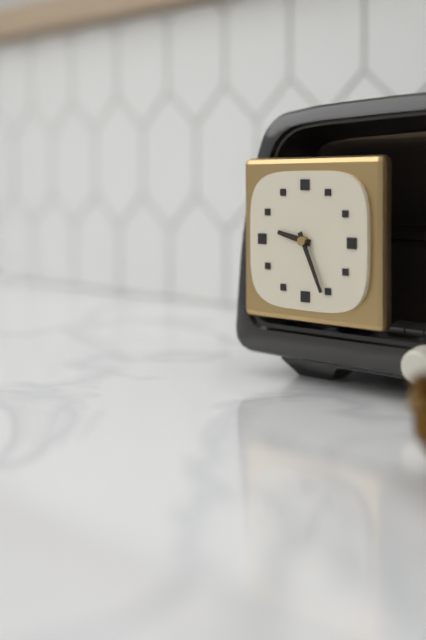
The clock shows 9.26
